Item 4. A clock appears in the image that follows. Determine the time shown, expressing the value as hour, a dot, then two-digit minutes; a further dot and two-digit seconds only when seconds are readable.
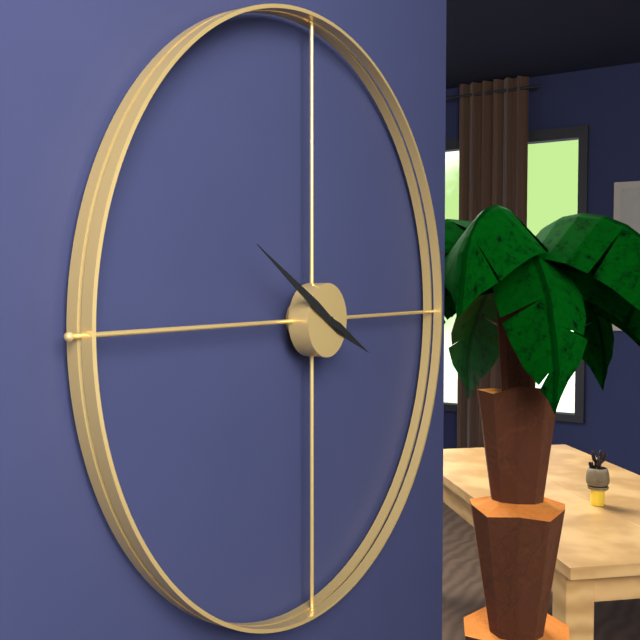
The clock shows 3.50
